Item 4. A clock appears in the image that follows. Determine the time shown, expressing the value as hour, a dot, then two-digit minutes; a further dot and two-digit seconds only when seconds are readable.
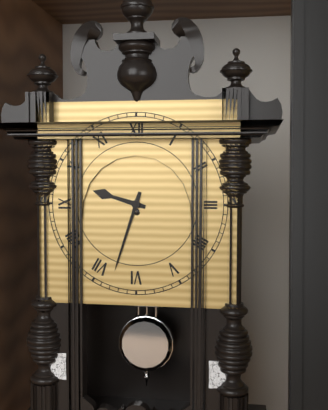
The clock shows 9.33
